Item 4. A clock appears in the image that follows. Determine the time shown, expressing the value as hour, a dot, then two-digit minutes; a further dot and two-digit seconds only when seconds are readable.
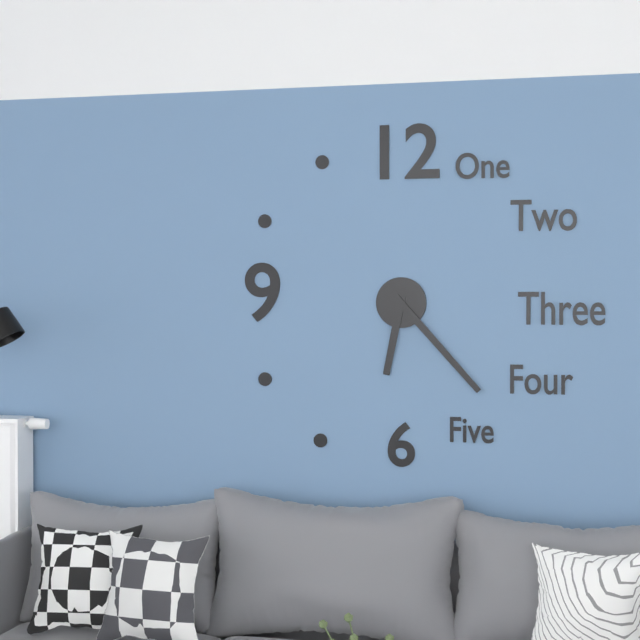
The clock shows 6.23
